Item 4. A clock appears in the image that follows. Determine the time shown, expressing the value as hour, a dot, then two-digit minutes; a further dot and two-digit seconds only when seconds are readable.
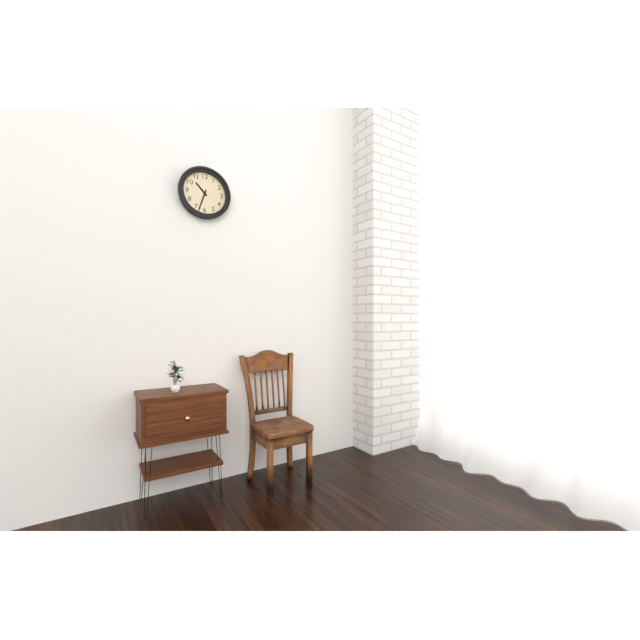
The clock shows 10.33
